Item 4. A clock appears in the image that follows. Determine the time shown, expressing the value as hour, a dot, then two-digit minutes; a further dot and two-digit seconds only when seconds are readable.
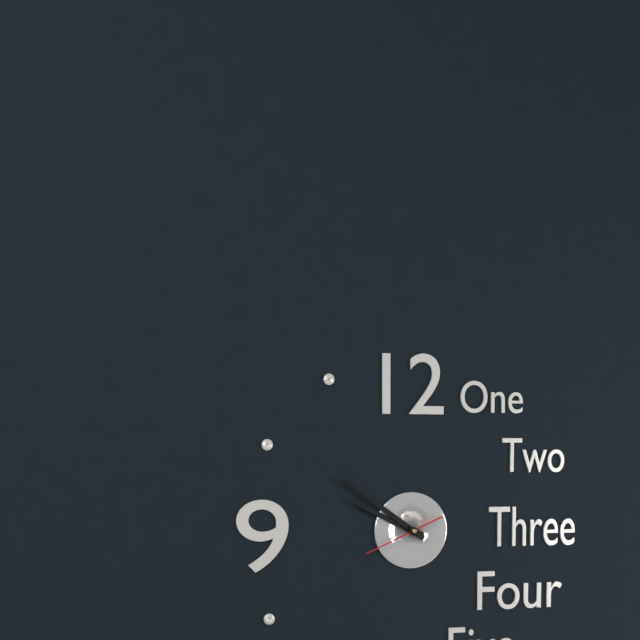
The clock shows 9.51.41
